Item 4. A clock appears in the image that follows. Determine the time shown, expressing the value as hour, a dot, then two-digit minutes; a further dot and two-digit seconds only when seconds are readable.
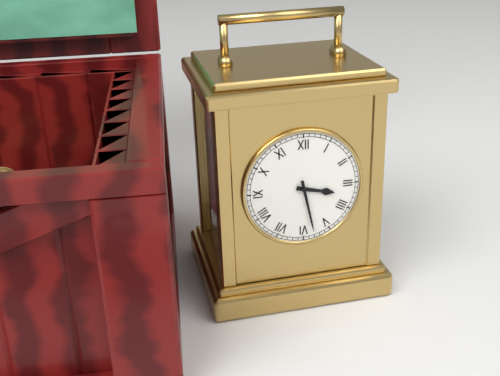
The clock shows 3.28
